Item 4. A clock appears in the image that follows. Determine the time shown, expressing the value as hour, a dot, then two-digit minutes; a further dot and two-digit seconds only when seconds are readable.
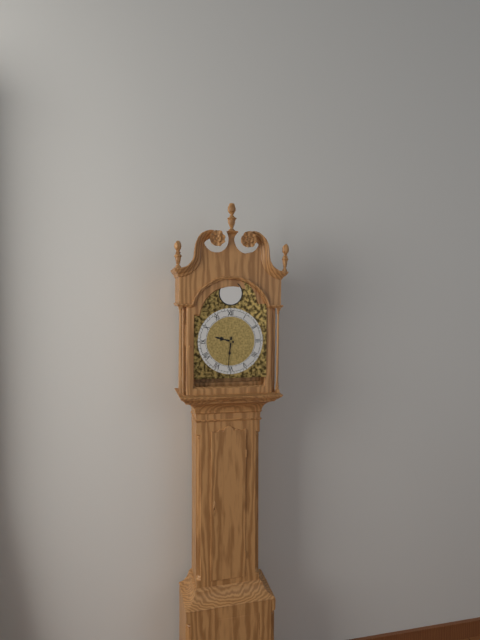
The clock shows 9.31
